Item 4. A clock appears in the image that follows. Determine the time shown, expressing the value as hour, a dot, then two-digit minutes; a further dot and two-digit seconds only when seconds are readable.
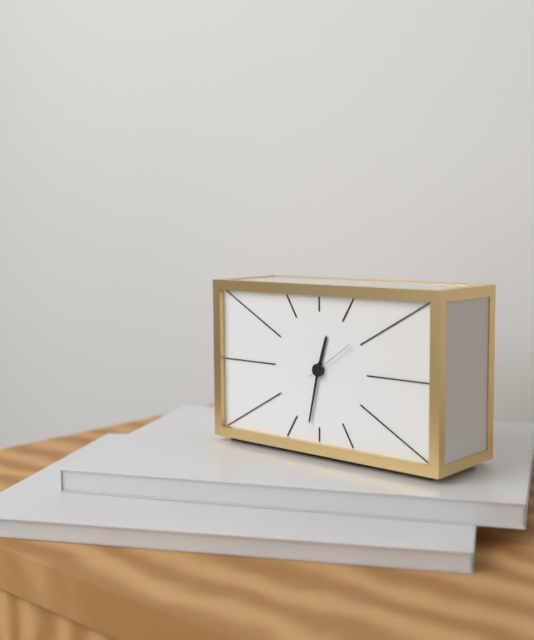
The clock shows 12.32.09
